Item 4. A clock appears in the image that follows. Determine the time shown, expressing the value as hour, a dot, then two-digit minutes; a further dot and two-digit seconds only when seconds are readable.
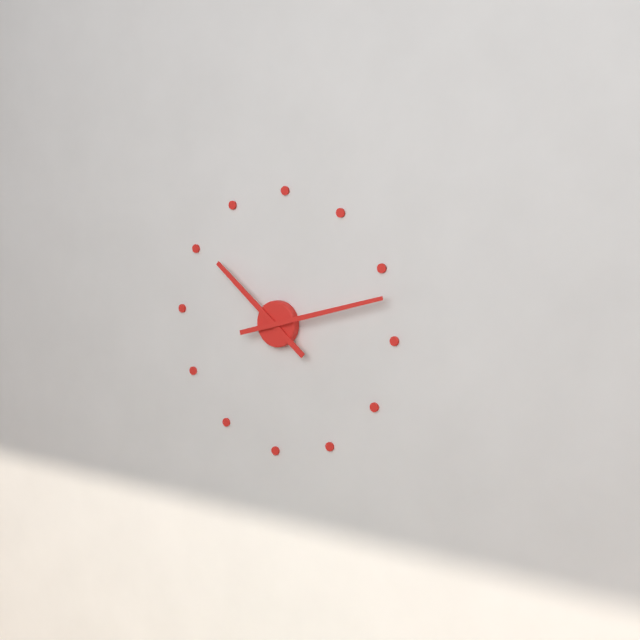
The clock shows 10.12
